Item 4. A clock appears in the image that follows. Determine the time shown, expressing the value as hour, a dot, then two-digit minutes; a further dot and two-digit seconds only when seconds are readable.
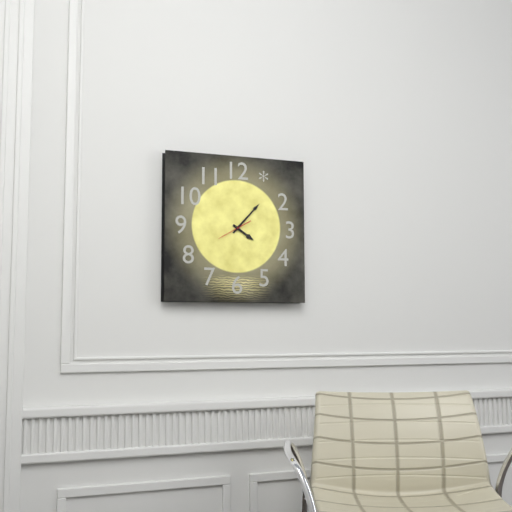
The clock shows 4.07
